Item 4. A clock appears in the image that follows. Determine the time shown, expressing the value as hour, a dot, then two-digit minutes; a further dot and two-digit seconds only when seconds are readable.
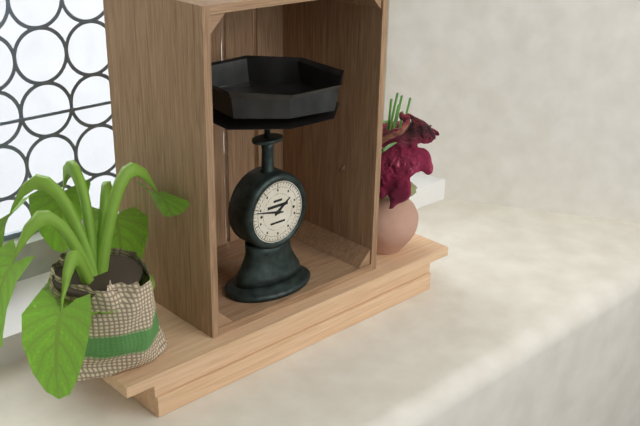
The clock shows 1.47
